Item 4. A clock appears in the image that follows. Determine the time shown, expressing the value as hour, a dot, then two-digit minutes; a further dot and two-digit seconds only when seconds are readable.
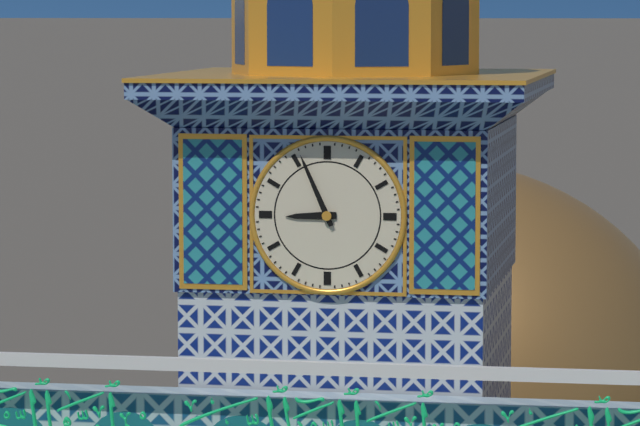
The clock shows 8.56
